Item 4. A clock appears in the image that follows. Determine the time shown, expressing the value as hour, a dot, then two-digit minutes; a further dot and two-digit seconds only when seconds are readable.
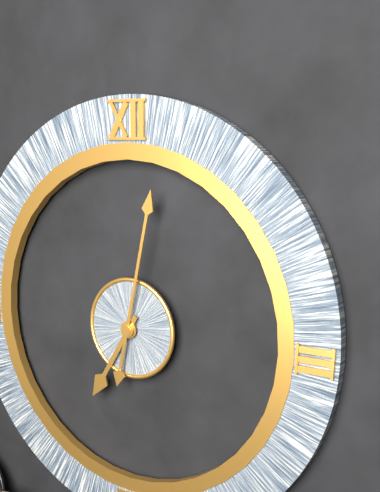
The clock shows 7.02
